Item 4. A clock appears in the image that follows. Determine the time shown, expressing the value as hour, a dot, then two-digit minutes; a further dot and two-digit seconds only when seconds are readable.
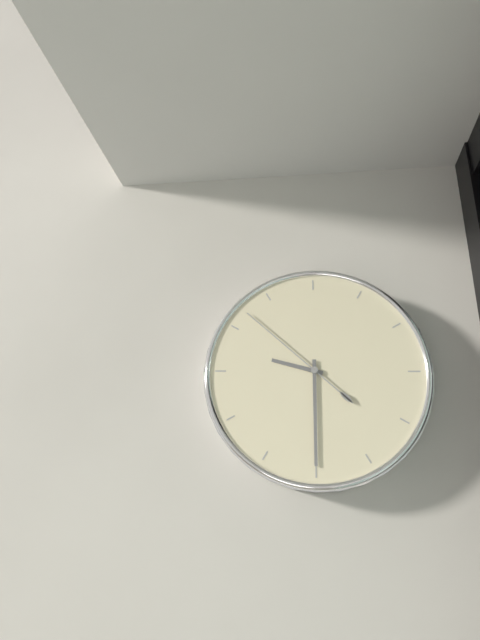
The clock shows 9.30.52
